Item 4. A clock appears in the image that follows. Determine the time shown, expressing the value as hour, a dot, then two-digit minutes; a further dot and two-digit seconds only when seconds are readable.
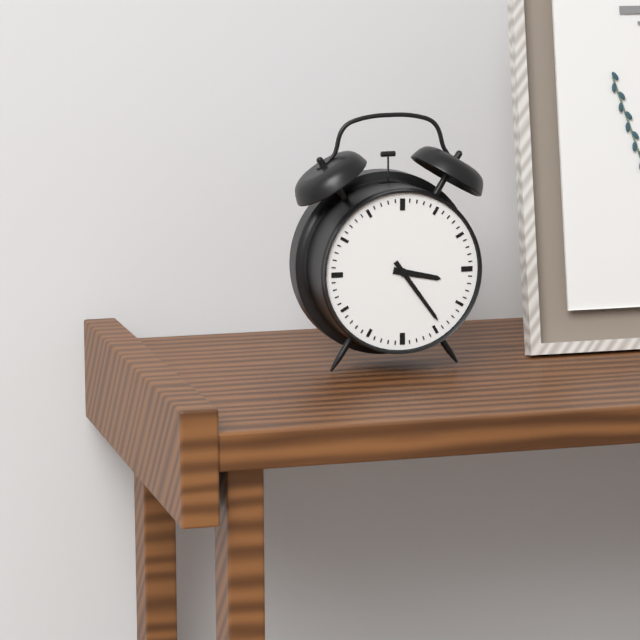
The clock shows 3.24
